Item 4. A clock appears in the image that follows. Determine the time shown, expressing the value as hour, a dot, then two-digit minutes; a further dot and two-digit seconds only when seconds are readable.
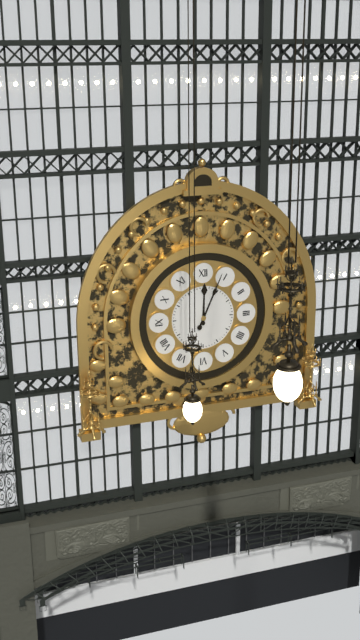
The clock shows 12.04
